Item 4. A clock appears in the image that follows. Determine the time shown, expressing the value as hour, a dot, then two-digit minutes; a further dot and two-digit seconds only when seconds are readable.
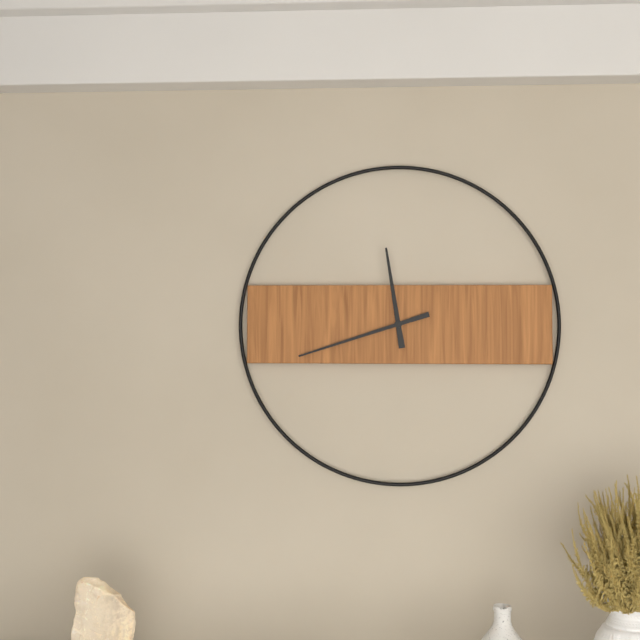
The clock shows 11.42
